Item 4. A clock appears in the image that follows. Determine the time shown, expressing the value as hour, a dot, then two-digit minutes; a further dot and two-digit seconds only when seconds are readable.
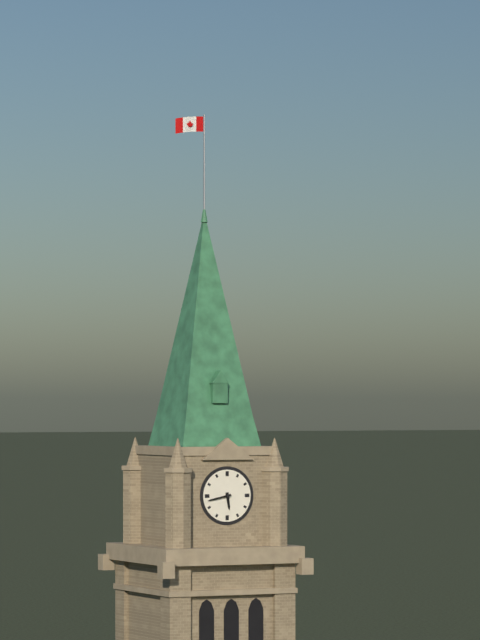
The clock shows 5.43
